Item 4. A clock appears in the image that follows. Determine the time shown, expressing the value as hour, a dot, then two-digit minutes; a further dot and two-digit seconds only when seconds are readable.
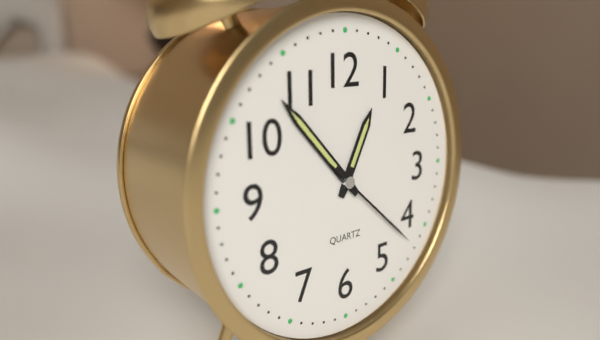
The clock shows 12.53.22
